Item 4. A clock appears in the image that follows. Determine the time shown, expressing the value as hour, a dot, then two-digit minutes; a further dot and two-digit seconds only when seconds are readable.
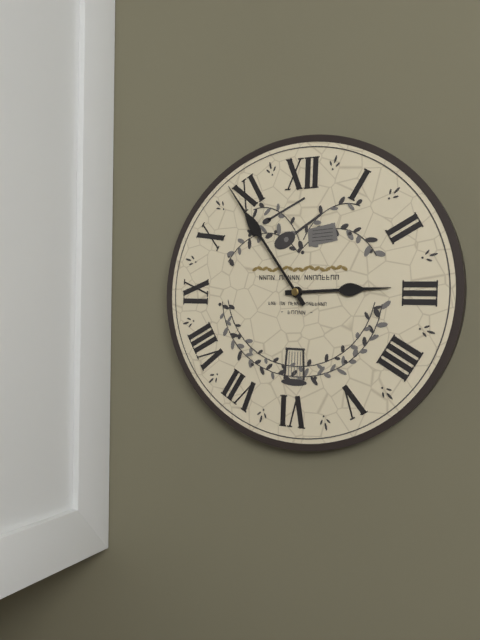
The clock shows 2.54
